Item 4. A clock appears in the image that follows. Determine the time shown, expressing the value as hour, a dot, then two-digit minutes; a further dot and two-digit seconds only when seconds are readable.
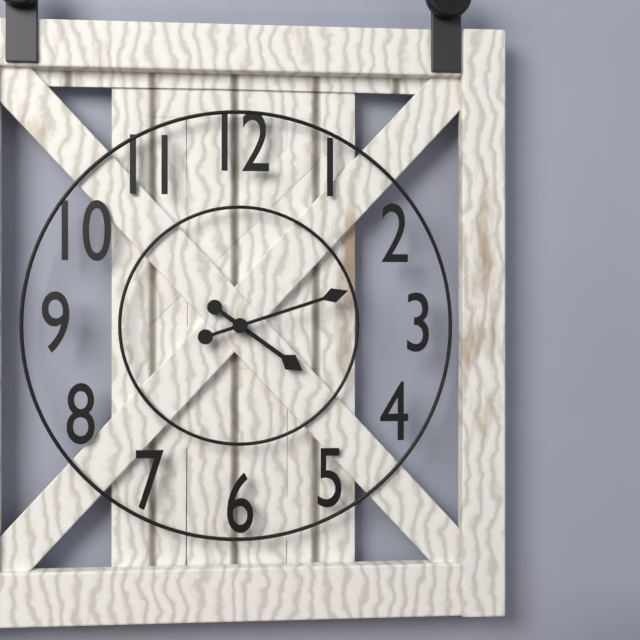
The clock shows 4.12
